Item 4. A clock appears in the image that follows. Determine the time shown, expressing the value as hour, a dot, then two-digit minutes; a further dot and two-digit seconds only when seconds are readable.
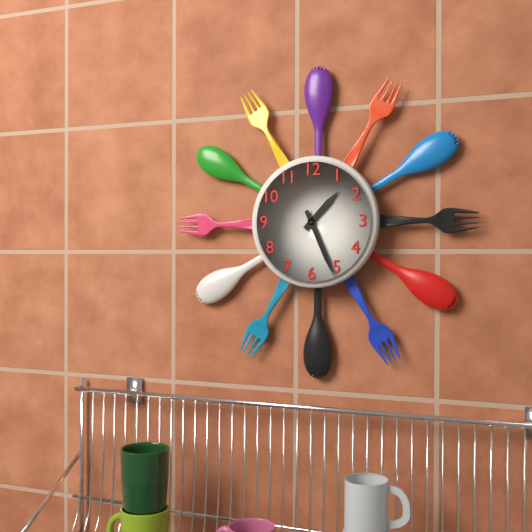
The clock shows 1.26
